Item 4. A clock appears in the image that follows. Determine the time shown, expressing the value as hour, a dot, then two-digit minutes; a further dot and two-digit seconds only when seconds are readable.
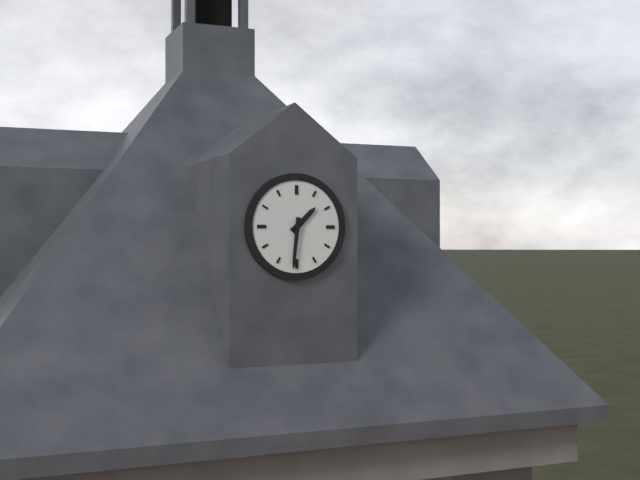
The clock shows 1.31
